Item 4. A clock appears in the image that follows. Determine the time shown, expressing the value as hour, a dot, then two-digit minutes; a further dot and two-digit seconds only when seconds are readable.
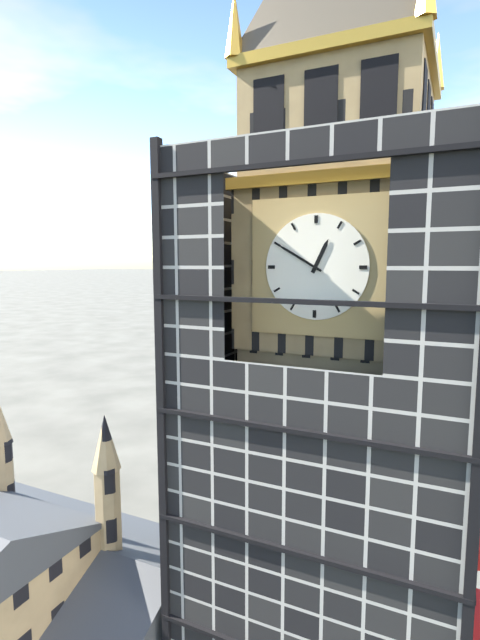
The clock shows 12.50
